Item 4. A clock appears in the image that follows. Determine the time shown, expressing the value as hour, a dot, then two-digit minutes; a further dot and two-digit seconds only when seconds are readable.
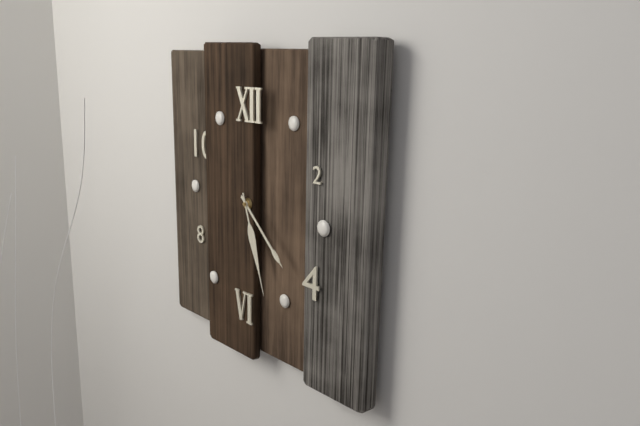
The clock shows 4.27
